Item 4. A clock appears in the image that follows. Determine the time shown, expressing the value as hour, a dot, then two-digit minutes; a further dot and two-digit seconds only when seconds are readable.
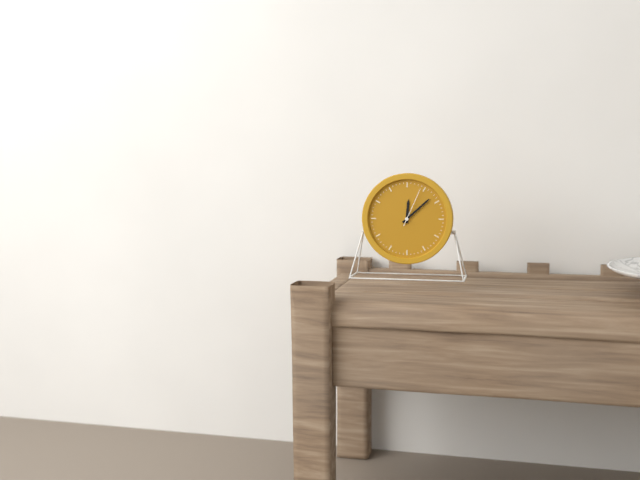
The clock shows 12.08
